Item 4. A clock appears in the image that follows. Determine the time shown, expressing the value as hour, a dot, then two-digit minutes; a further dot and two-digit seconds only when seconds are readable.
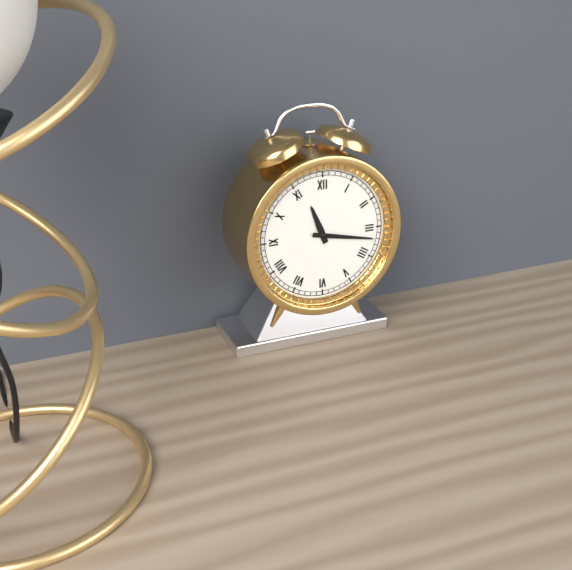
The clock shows 11.17
